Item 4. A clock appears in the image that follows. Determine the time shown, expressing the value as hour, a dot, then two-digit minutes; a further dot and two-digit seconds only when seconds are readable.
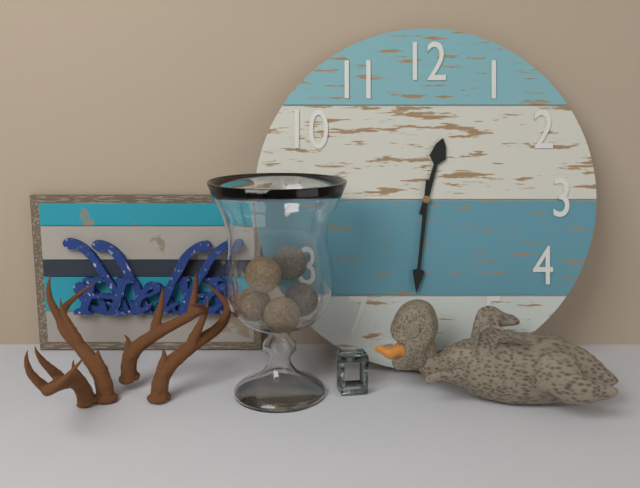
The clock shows 12.31
